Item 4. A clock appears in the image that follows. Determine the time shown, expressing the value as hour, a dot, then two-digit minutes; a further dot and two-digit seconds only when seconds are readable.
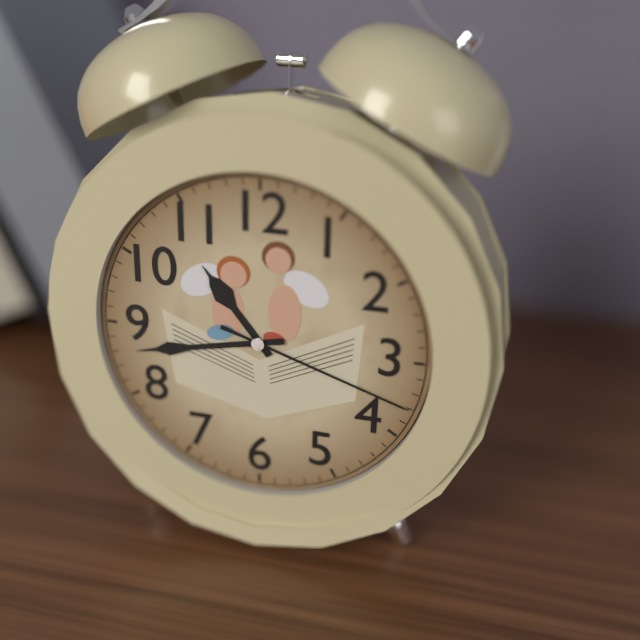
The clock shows 10.43.18
